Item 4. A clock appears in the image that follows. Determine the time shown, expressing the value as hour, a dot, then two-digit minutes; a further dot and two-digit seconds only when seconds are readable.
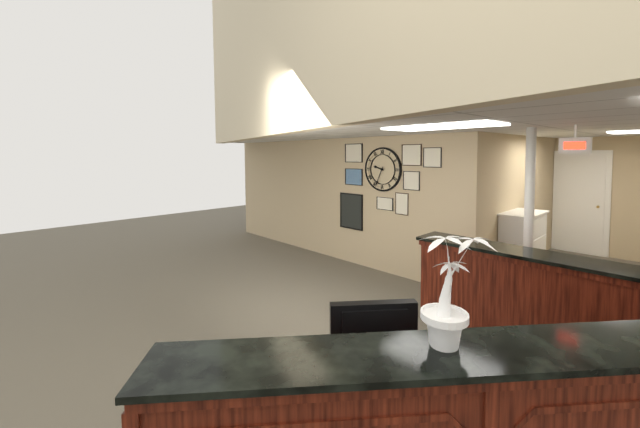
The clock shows 9.34
